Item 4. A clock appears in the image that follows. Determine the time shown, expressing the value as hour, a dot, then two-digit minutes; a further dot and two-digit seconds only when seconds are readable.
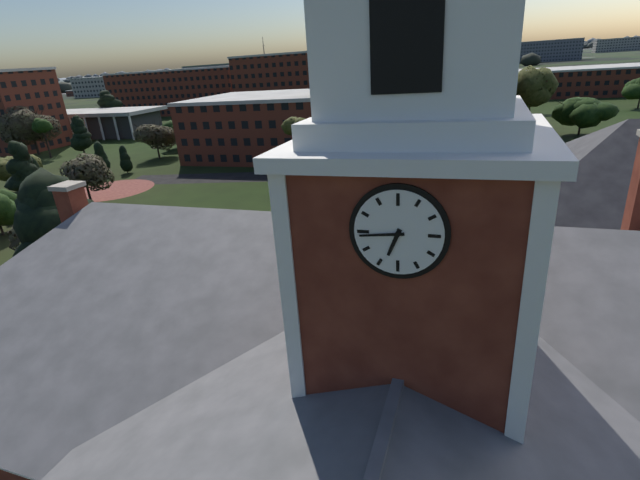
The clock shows 6.44
